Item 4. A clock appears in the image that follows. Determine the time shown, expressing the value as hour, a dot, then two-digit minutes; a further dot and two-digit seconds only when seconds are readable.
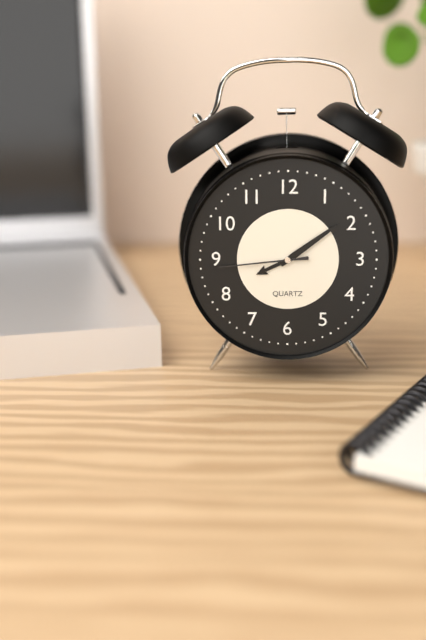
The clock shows 8.09.44
